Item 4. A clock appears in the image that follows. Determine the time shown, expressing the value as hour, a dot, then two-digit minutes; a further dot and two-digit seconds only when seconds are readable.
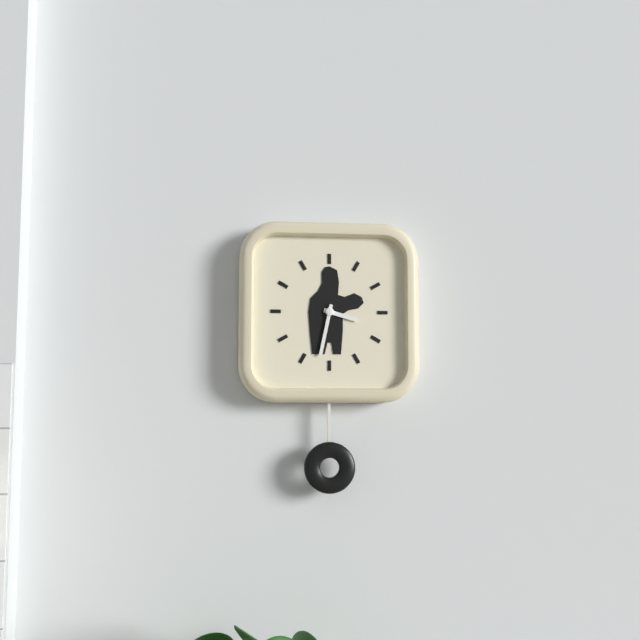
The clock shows 3.32
